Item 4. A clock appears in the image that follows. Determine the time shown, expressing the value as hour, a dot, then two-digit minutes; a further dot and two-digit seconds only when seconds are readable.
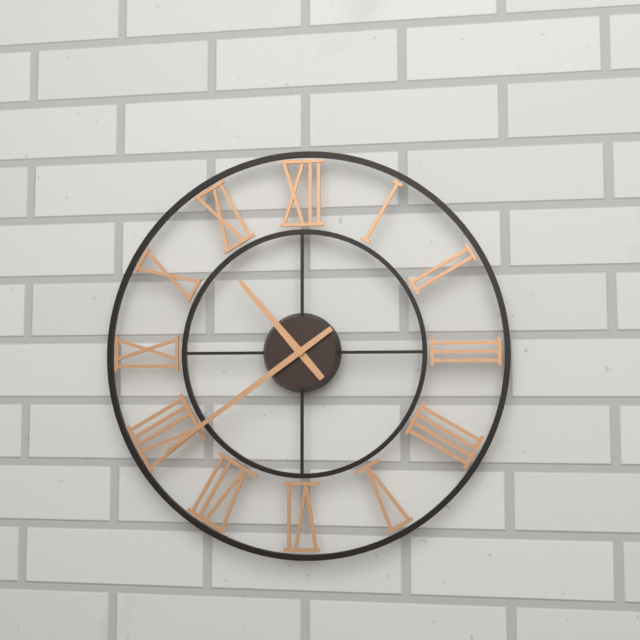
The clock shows 10.39
